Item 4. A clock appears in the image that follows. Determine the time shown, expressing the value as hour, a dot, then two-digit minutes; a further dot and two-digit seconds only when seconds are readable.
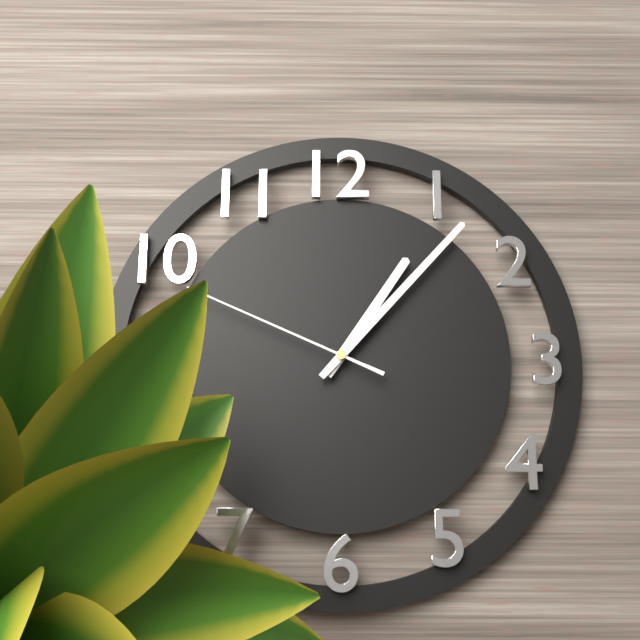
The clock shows 1.07.49
